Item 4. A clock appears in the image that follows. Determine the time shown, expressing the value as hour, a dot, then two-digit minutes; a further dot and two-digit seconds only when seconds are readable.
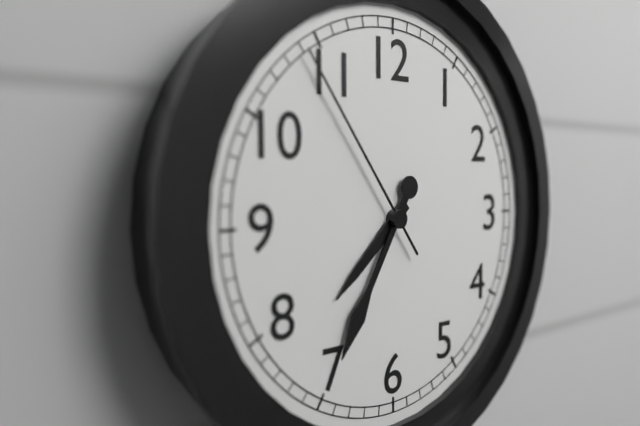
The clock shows 7.35.54
